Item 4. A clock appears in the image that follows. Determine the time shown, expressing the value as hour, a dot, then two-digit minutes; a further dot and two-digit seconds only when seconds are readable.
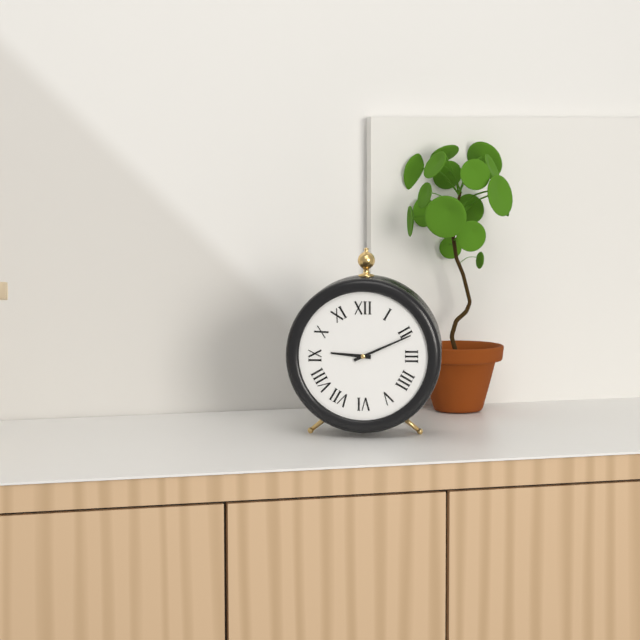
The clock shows 9.11
